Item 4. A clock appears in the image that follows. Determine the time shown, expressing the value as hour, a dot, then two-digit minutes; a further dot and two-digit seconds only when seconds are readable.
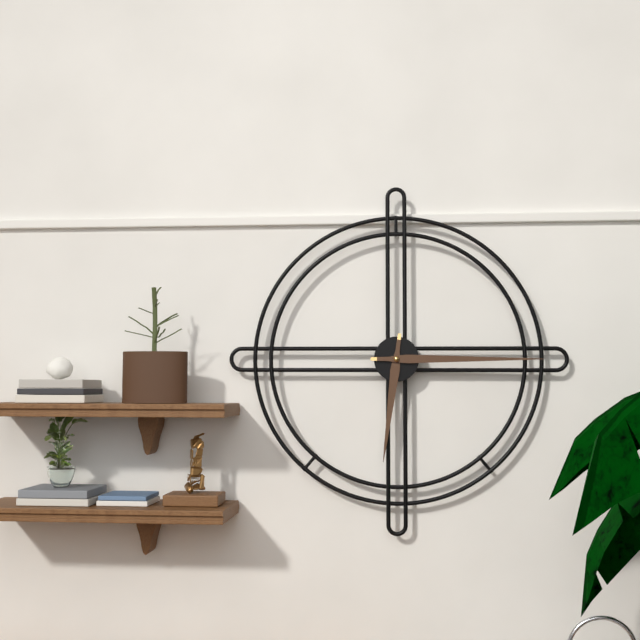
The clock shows 6.15
